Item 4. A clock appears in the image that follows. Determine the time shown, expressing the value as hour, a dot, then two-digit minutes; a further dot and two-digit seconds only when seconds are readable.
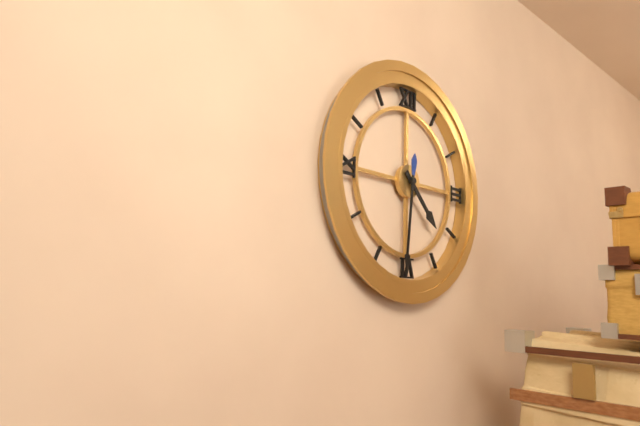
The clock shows 4.31
